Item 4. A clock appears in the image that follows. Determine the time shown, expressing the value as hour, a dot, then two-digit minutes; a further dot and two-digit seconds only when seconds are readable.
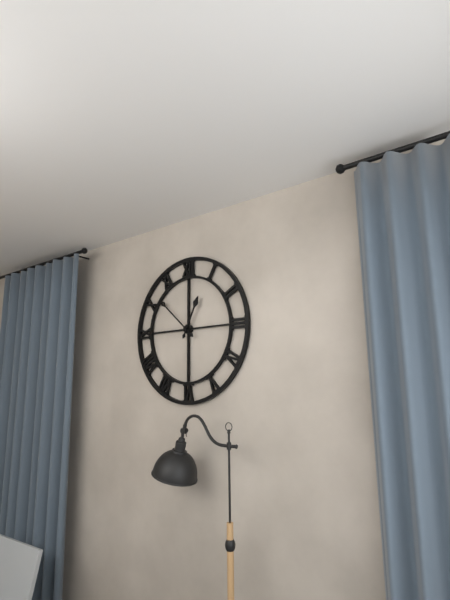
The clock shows 12.52
